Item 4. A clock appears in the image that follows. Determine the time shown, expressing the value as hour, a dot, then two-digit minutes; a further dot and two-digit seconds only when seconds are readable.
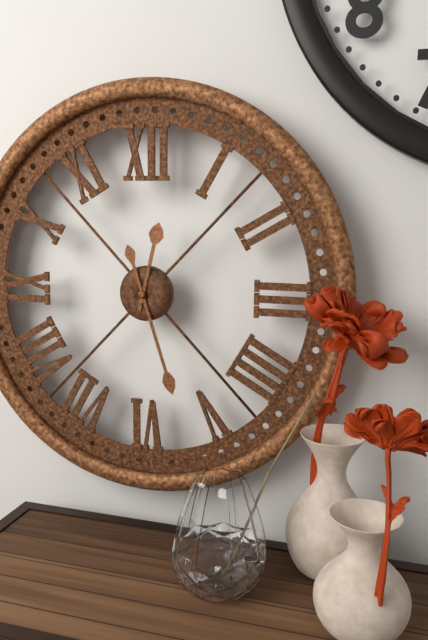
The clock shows 12.27
